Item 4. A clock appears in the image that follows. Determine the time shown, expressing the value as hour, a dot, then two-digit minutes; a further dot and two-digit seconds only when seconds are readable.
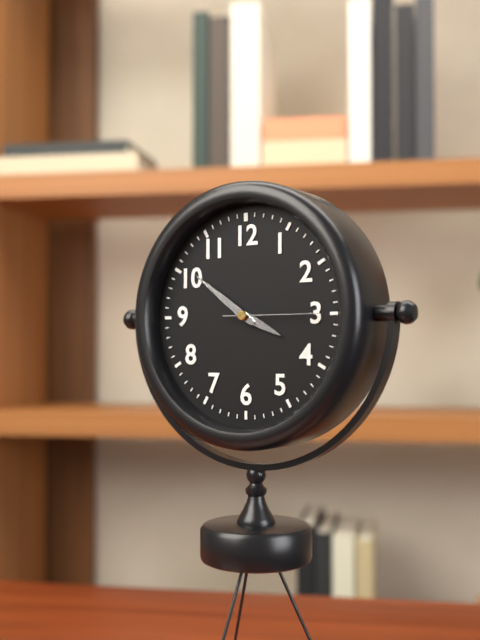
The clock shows 3.51.15
